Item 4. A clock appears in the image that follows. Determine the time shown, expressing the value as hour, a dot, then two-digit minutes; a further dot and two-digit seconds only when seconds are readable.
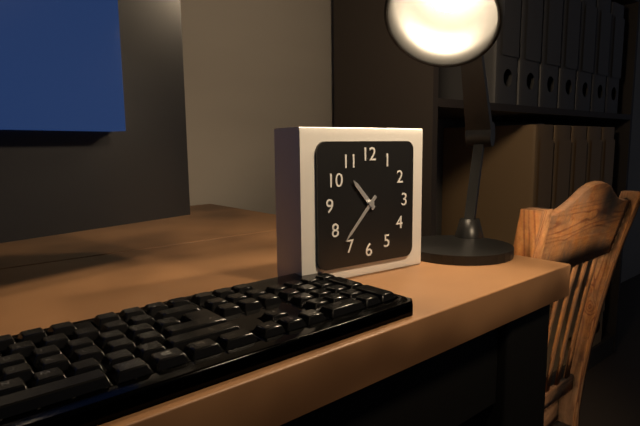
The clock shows 10.37
